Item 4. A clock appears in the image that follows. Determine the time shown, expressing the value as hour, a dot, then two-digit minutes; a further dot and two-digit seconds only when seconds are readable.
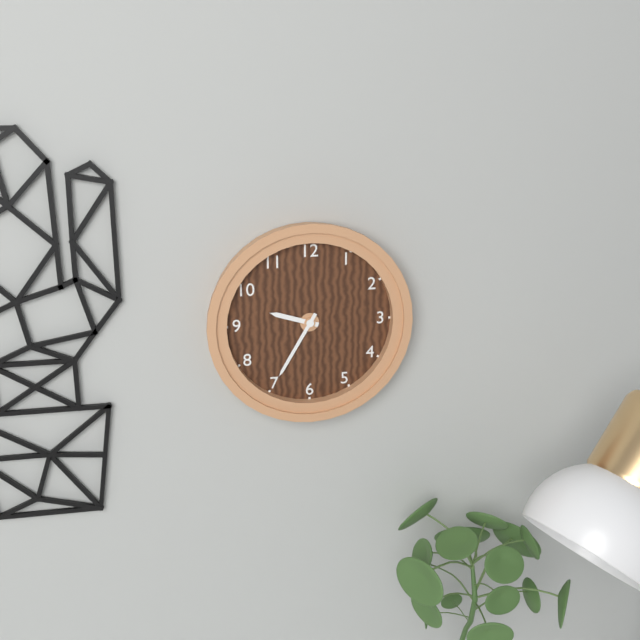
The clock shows 9.35
